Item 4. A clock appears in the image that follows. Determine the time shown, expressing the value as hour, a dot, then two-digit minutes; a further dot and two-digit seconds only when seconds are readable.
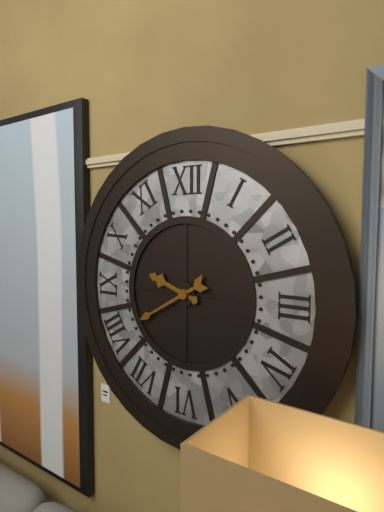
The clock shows 9.40
